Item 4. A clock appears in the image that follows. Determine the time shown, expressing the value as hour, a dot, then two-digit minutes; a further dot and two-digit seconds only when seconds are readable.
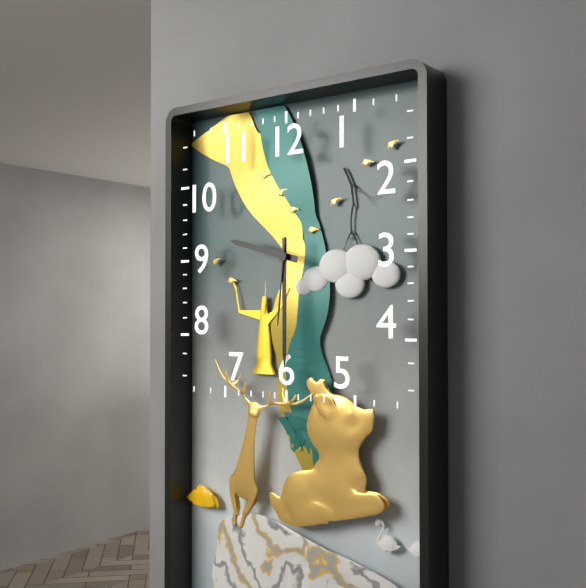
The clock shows 9.30.31
